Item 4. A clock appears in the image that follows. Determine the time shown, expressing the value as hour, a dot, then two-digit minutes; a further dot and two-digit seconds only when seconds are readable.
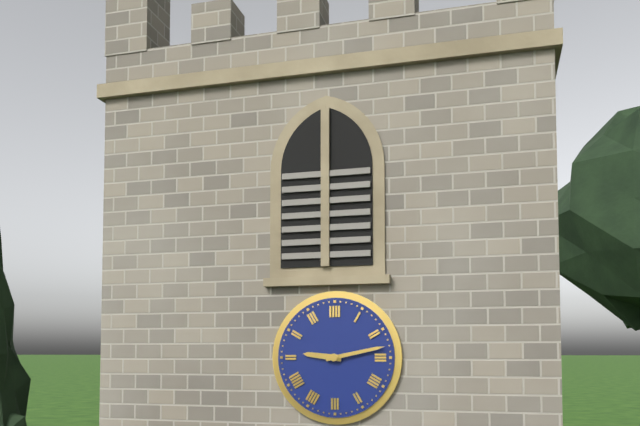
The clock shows 9.13
